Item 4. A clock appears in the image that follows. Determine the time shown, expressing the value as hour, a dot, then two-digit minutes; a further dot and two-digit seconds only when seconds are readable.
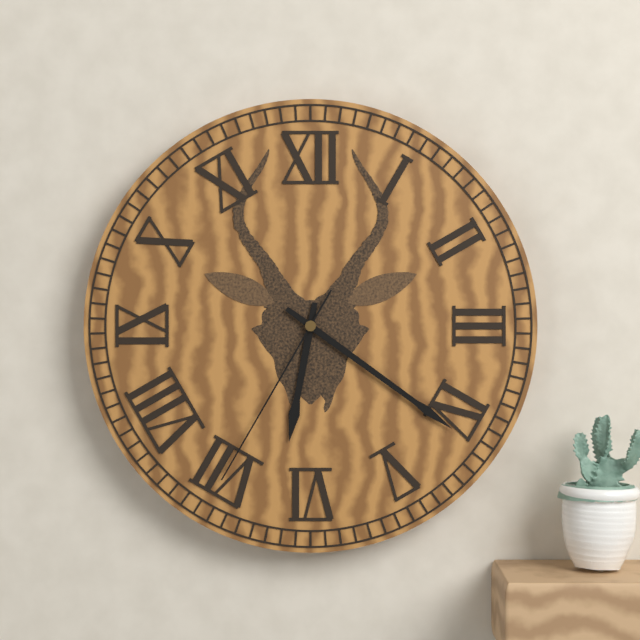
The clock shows 6.21.35
